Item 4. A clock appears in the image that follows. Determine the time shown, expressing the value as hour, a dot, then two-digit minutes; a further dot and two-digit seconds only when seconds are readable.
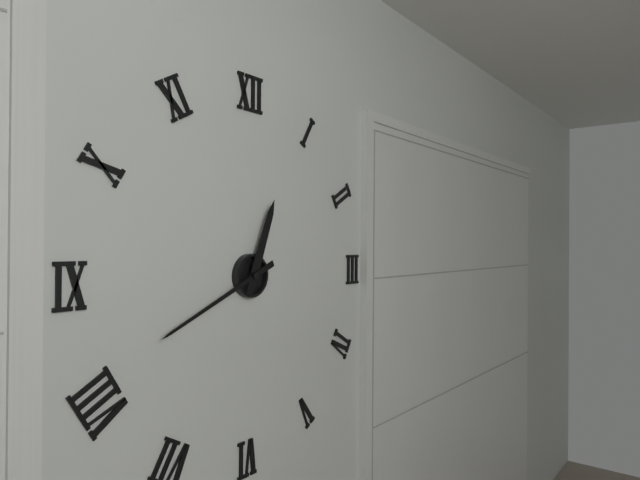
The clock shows 12.41
